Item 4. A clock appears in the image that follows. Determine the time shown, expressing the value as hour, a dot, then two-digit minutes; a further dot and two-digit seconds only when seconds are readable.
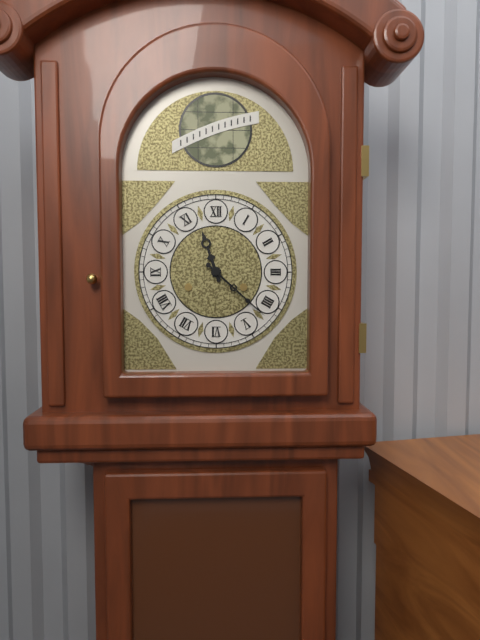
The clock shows 11.22
